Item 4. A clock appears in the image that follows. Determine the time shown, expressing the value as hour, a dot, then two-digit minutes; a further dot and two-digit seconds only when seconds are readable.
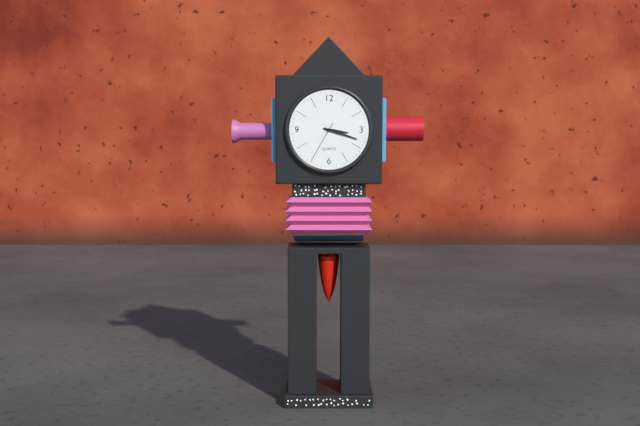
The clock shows 3.18
